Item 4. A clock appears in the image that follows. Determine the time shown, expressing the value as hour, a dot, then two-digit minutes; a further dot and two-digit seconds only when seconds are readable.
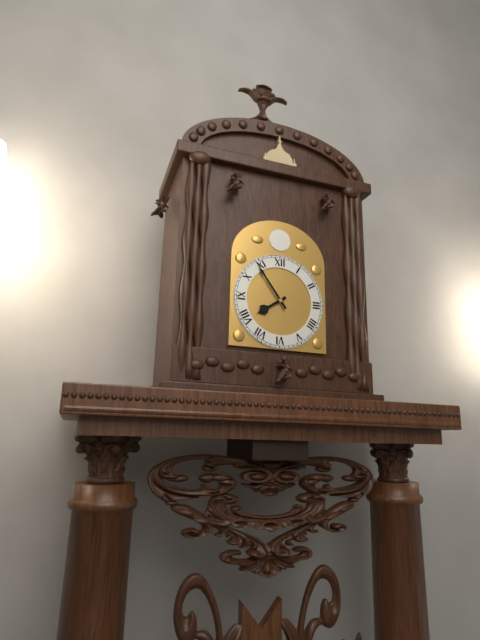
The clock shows 7.54
